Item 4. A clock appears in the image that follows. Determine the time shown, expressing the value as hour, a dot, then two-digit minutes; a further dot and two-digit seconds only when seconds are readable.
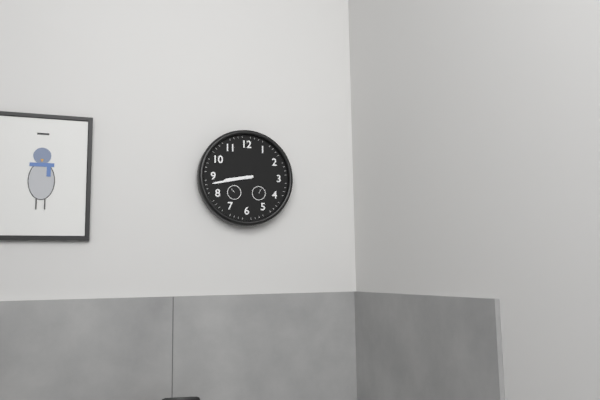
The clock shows 8.43
